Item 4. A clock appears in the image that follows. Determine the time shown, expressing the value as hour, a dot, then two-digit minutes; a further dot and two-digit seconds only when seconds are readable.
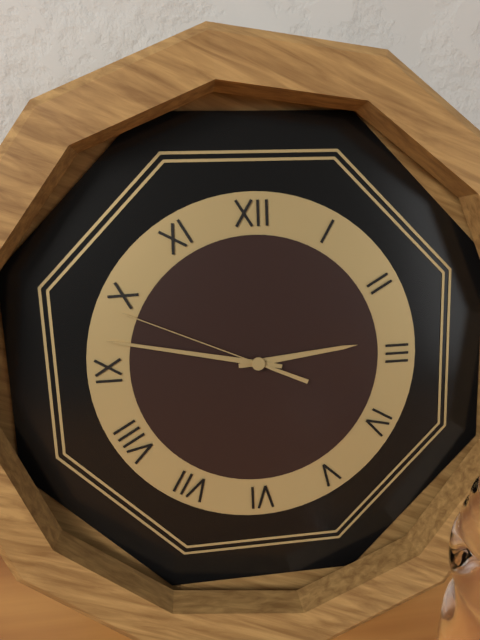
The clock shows 2.47.49
